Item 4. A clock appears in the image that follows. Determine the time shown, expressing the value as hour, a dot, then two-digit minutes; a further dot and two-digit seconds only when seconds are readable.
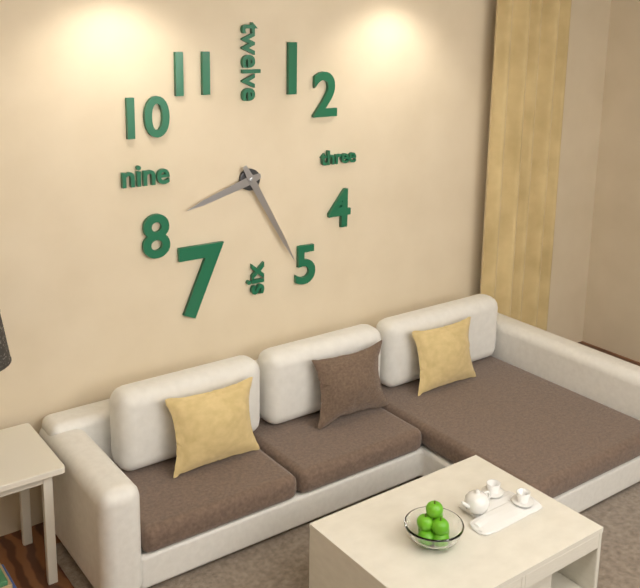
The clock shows 8.25
